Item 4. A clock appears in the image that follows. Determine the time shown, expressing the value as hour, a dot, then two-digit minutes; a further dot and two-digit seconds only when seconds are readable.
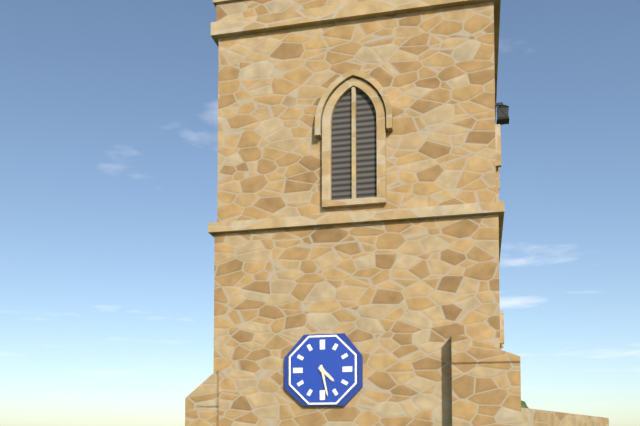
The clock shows 4.28
